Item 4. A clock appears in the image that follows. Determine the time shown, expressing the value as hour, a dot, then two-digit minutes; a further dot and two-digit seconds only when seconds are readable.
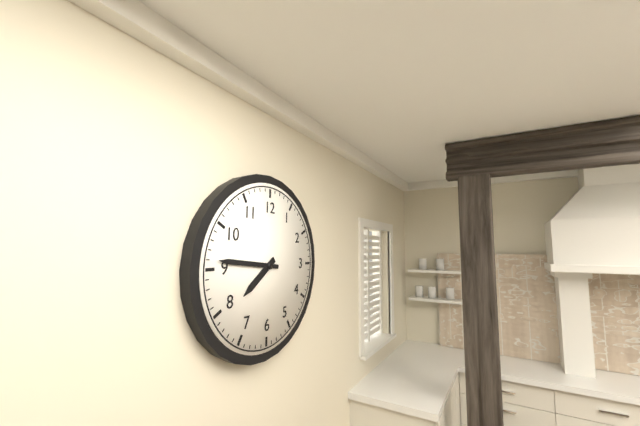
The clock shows 7.46
